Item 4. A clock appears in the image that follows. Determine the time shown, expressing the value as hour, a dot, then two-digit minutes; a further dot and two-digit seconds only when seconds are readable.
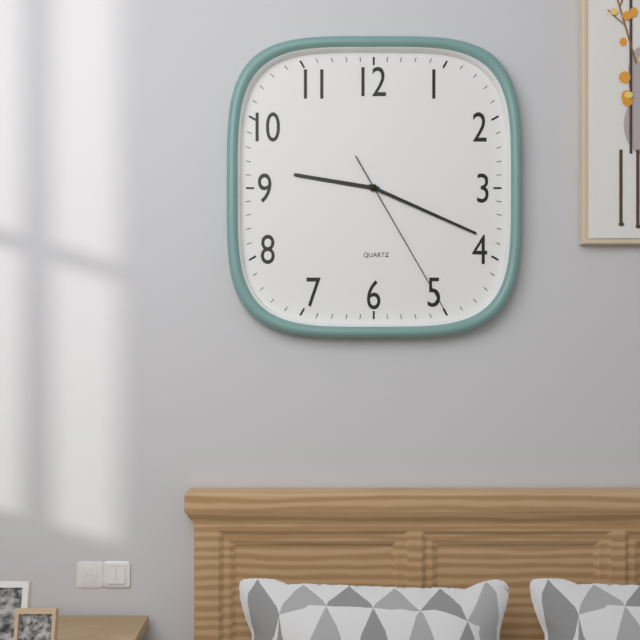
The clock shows 9.19.25
